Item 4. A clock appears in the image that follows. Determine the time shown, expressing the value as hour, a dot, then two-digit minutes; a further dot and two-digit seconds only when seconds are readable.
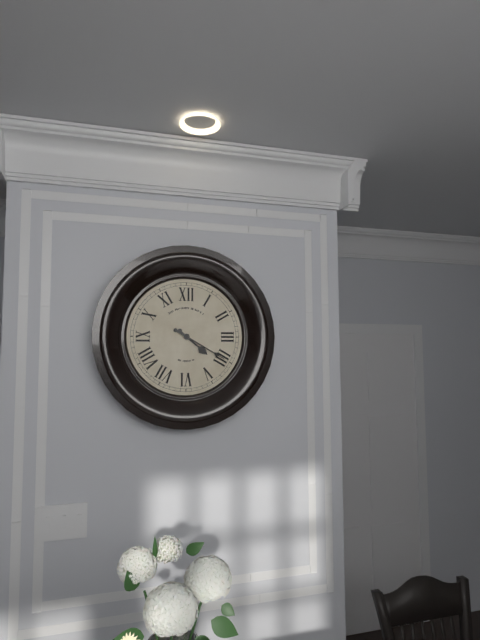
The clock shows 4.20
